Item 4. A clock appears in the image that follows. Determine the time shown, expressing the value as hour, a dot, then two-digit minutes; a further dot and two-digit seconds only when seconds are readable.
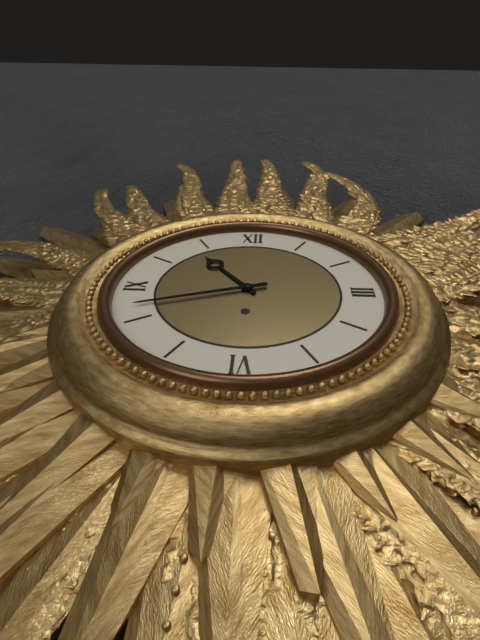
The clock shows 10.42
